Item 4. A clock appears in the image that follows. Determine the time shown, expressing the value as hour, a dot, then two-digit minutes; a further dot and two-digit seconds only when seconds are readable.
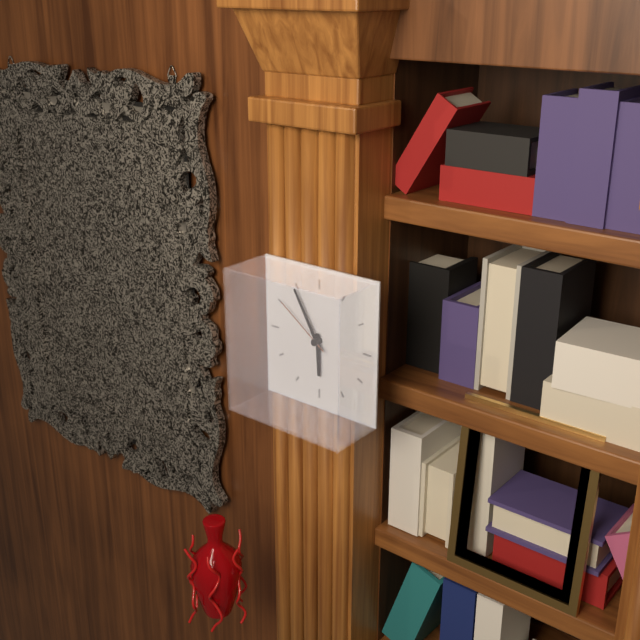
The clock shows 5.55.51
